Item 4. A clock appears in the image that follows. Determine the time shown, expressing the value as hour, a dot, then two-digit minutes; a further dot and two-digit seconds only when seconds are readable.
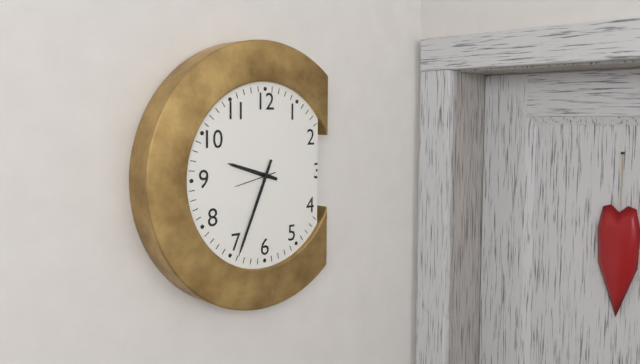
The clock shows 9.34
